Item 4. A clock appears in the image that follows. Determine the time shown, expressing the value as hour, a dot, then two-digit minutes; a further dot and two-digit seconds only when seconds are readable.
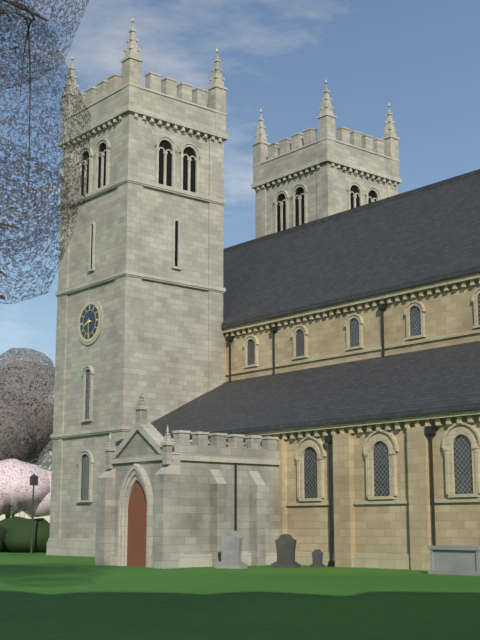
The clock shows 8.30
